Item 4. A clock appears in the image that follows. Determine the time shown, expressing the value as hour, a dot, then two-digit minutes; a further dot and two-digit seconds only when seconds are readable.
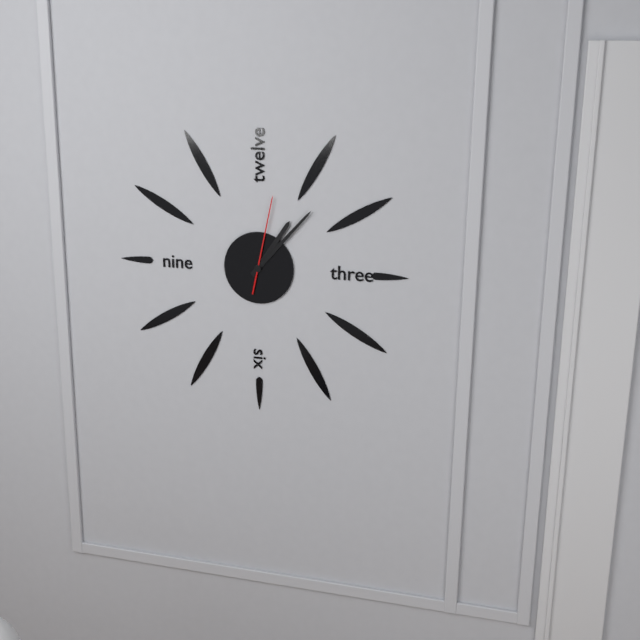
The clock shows 1.07.02
